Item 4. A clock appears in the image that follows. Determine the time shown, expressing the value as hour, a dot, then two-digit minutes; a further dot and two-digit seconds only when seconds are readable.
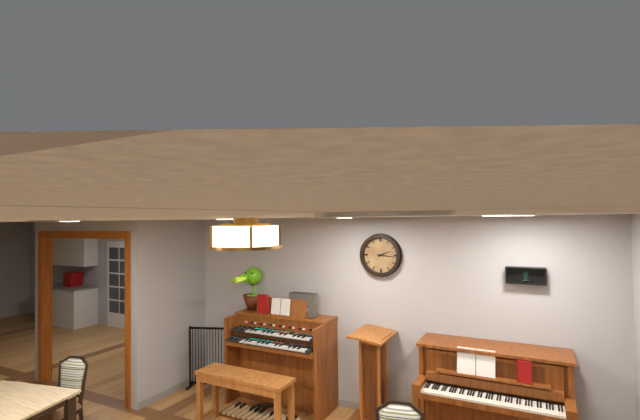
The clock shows 2.16
